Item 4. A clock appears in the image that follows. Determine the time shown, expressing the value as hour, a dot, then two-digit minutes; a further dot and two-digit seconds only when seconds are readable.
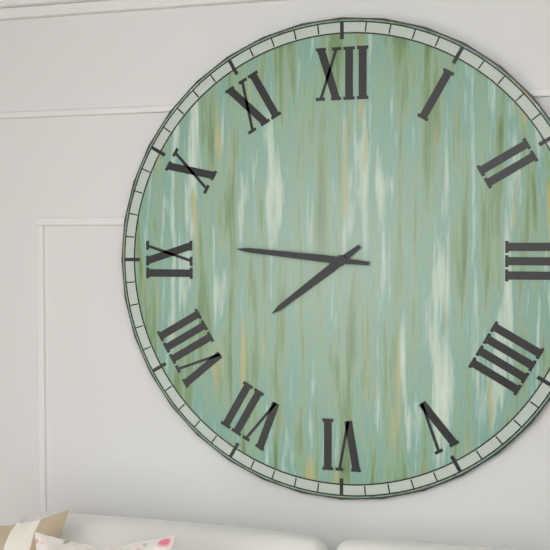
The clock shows 7.46
